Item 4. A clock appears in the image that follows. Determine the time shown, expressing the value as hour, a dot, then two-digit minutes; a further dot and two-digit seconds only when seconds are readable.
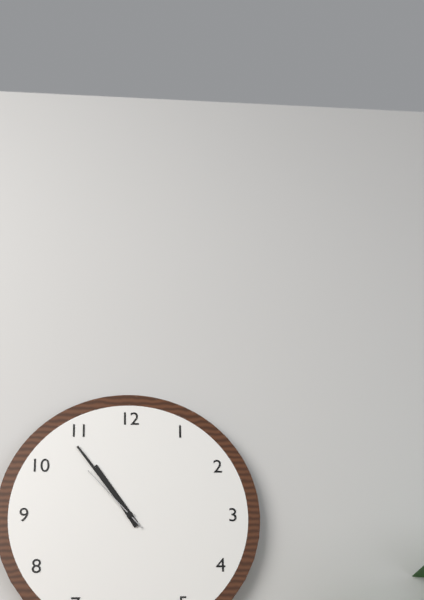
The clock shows 10.54.53
